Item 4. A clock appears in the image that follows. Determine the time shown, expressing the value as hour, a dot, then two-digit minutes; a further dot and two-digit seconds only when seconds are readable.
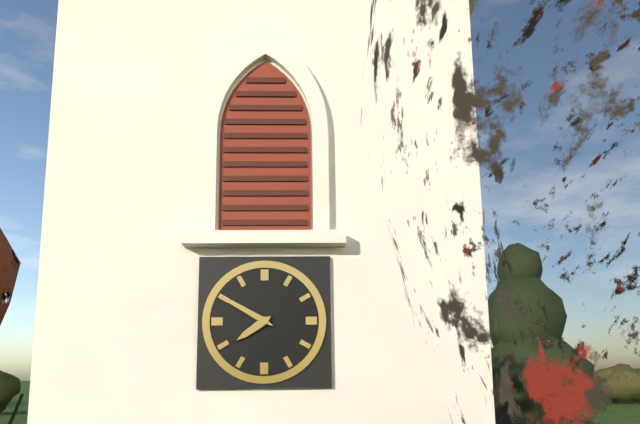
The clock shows 7.50
